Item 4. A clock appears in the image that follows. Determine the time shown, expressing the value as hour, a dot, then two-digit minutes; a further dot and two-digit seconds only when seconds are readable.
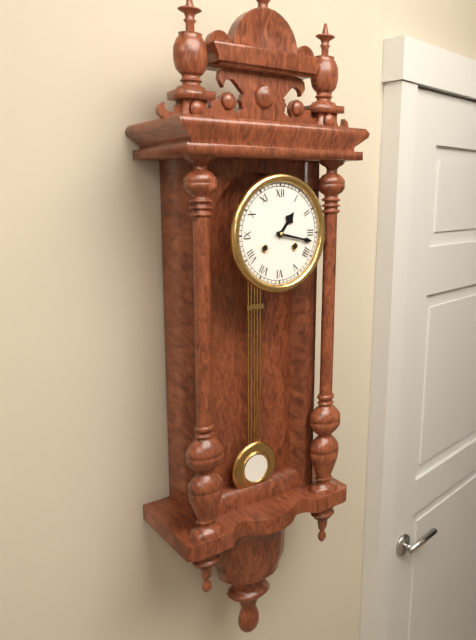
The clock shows 1.17
